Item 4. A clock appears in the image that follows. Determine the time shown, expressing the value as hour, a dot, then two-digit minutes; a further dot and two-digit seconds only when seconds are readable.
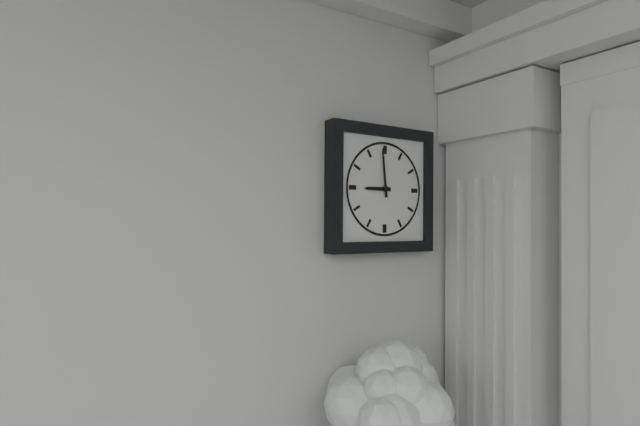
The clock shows 8.59
